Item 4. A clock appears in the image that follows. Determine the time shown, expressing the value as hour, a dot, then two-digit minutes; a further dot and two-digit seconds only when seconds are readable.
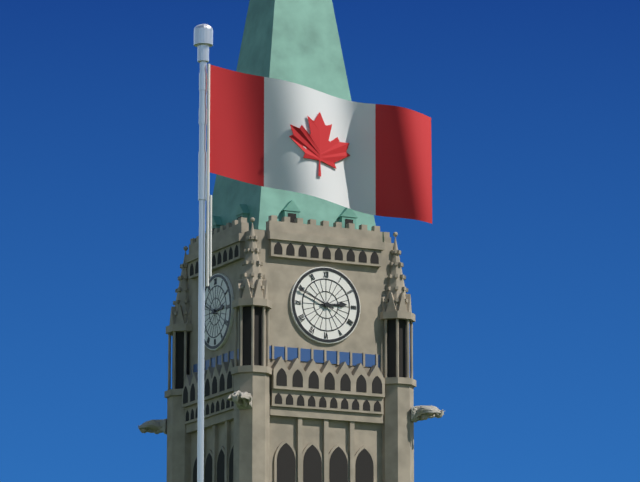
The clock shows 2.49
